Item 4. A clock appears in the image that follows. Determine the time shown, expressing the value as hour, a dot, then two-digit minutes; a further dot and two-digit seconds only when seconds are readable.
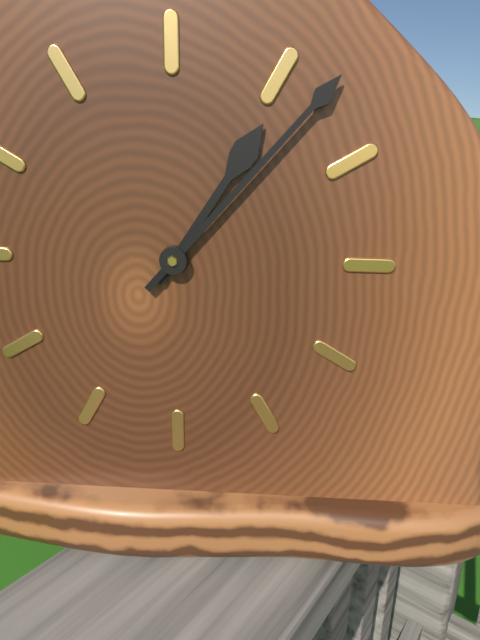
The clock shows 1.07
